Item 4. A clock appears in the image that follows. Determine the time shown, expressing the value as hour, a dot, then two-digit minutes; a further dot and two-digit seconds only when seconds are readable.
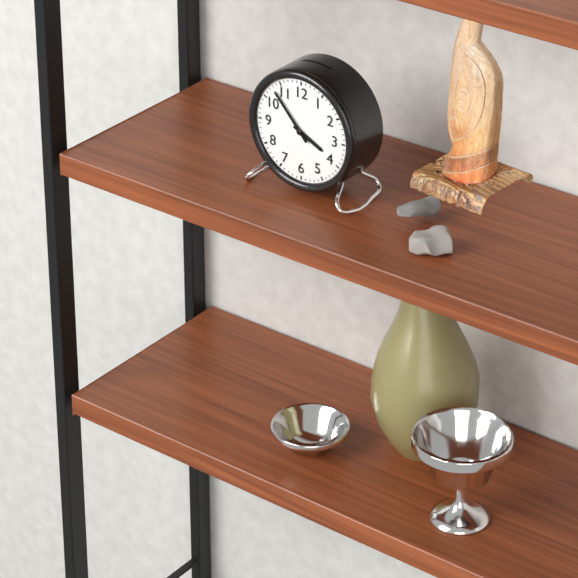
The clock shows 3.53
